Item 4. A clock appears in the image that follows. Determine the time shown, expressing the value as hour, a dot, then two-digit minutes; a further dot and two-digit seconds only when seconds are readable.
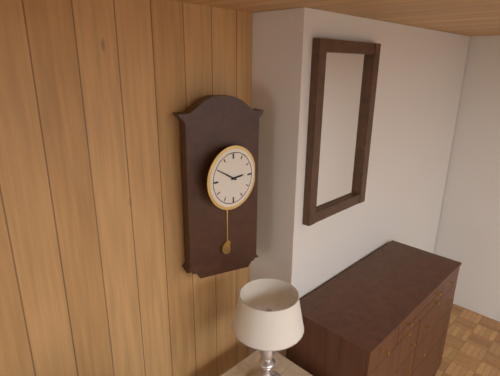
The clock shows 2.50
